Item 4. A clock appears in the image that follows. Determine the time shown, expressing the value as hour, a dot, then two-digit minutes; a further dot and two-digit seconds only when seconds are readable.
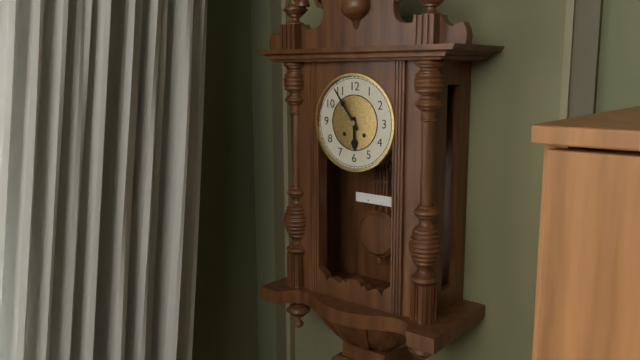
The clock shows 5.54
